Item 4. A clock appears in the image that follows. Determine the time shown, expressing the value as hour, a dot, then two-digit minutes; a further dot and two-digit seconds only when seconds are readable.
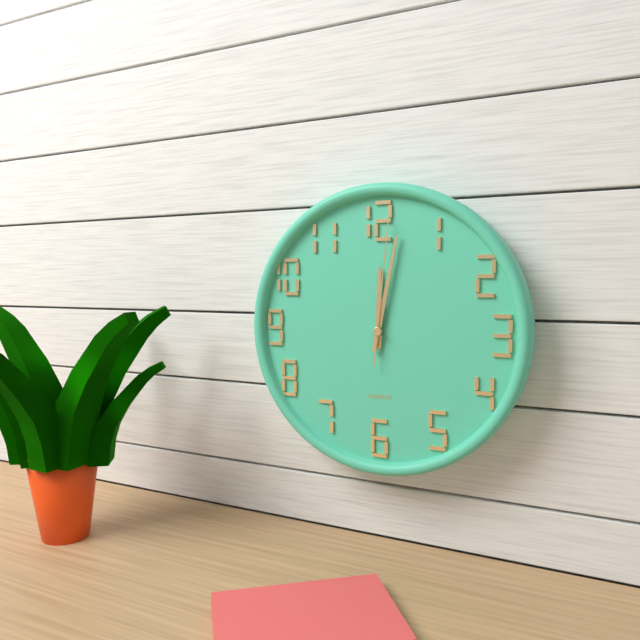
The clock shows 12.02.01
